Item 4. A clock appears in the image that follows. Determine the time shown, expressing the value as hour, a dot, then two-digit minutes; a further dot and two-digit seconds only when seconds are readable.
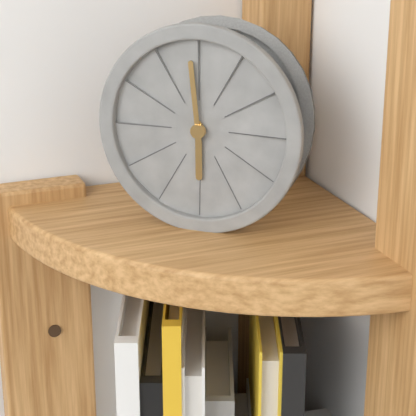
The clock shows 5.59
